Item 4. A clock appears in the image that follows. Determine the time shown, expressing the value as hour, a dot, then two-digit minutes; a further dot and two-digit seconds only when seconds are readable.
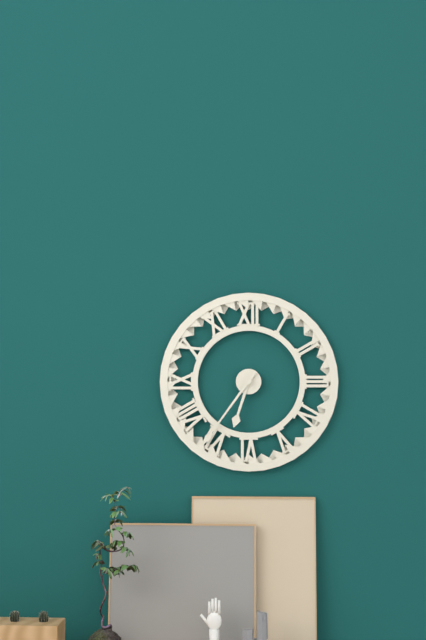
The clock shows 6.36
